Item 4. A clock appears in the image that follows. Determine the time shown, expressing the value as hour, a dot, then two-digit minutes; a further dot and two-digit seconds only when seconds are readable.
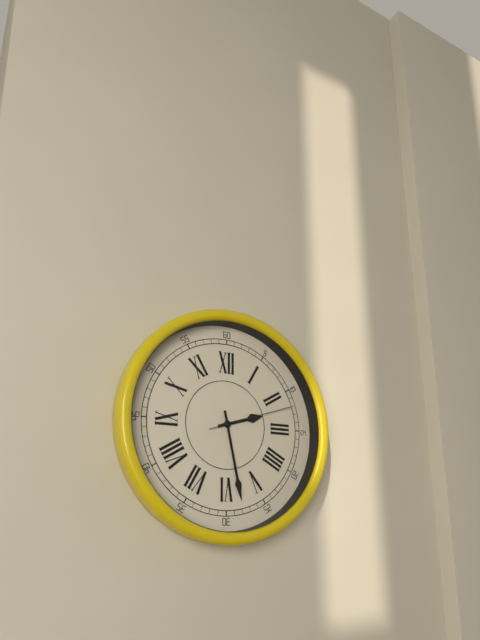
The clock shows 2.28.12
